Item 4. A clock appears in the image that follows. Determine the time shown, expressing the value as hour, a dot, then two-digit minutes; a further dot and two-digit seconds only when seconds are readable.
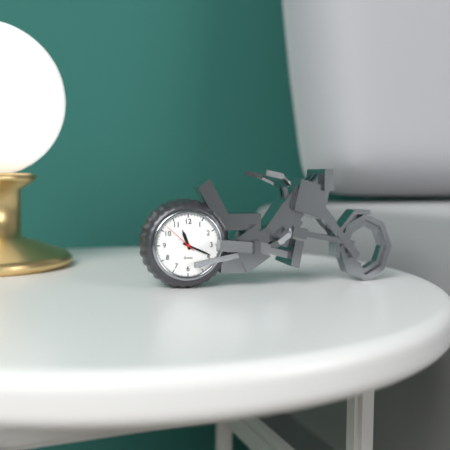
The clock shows 11.19
